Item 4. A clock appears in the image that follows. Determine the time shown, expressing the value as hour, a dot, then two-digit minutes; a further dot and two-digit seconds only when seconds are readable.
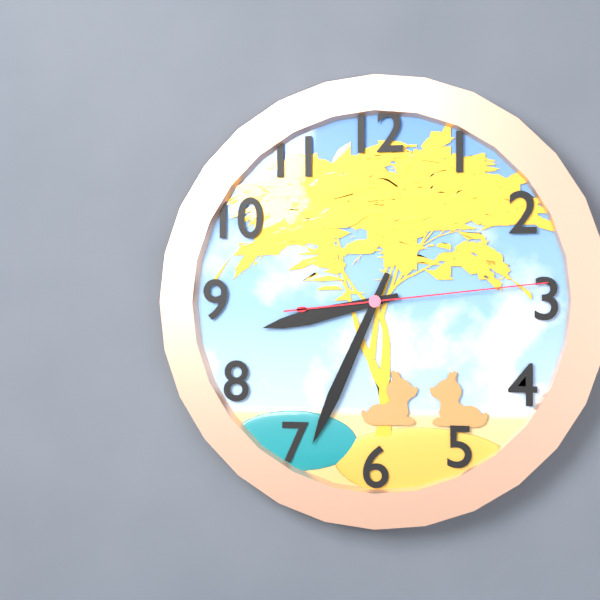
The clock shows 8.34.14
